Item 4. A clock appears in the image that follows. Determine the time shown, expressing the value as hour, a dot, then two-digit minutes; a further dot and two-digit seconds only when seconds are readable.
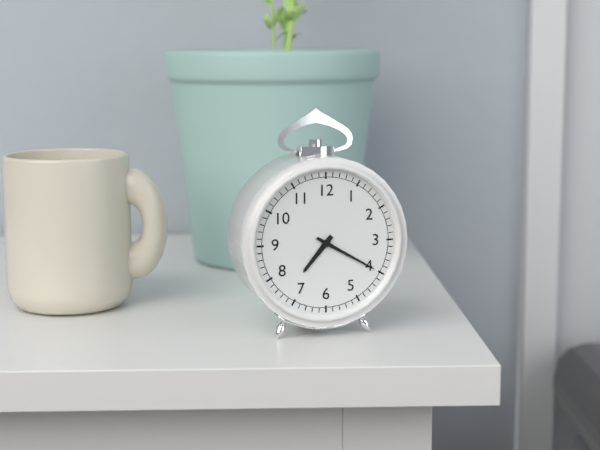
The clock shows 7.20
